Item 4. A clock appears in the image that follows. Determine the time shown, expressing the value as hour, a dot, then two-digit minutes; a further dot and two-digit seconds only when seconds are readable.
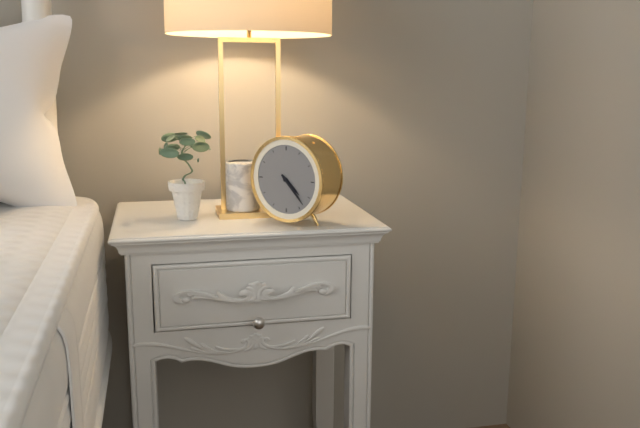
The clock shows 4.23
